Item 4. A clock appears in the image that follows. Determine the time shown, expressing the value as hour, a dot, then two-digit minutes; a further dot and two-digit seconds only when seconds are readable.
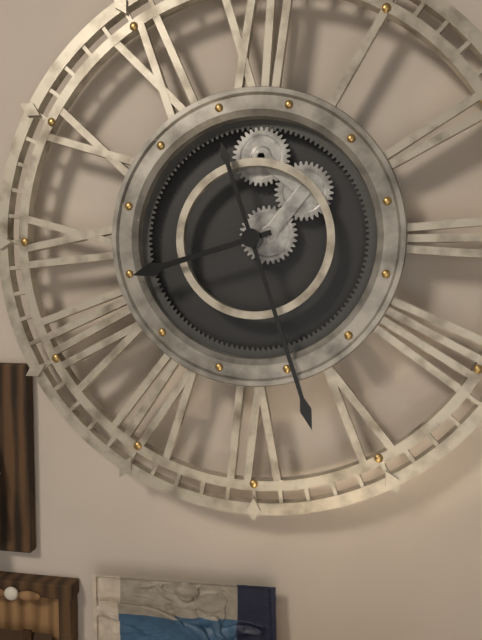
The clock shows 8.27
